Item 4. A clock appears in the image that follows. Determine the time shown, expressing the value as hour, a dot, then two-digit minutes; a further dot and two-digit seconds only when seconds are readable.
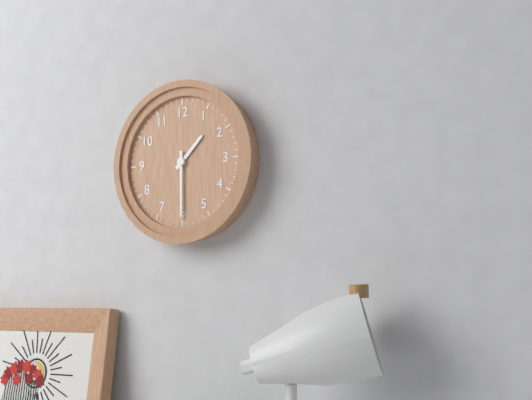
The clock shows 1.30
